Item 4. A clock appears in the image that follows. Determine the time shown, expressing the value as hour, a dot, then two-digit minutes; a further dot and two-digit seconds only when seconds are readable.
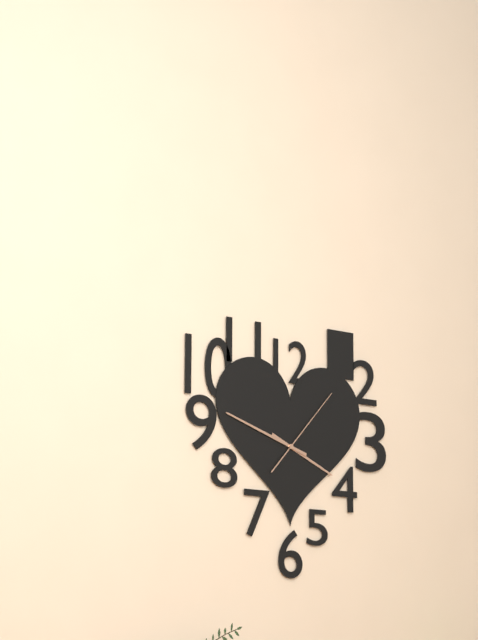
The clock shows 3.48.07
